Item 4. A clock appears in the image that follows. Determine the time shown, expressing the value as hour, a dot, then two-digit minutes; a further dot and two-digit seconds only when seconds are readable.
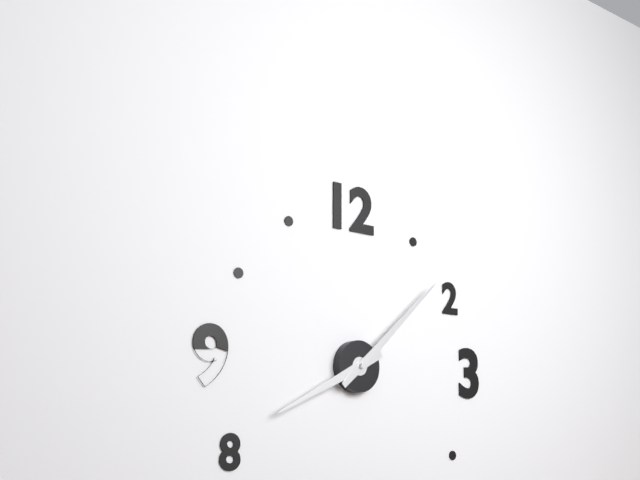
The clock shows 8.08
